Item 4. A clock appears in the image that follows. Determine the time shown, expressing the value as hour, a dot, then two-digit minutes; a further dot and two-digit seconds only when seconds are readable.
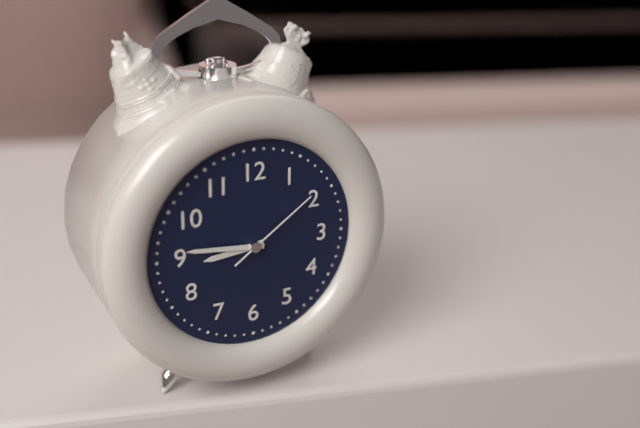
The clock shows 8.46.09
